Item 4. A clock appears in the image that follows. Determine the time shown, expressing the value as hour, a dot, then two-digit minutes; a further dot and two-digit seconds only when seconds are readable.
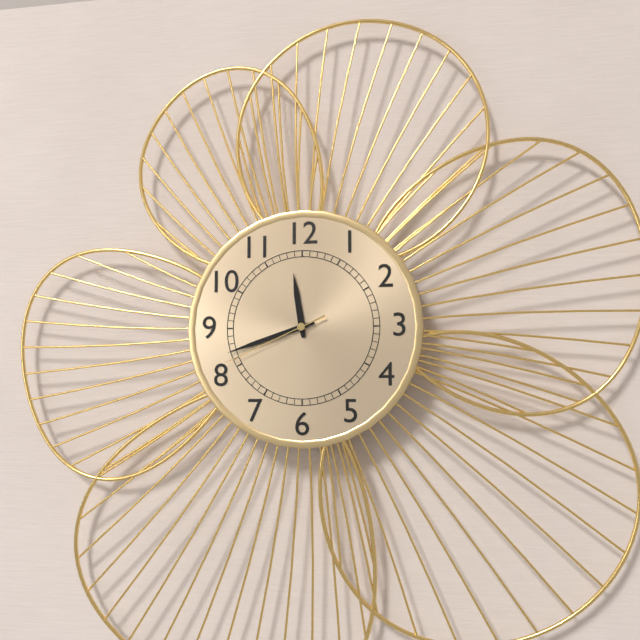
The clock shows 11.42.41
